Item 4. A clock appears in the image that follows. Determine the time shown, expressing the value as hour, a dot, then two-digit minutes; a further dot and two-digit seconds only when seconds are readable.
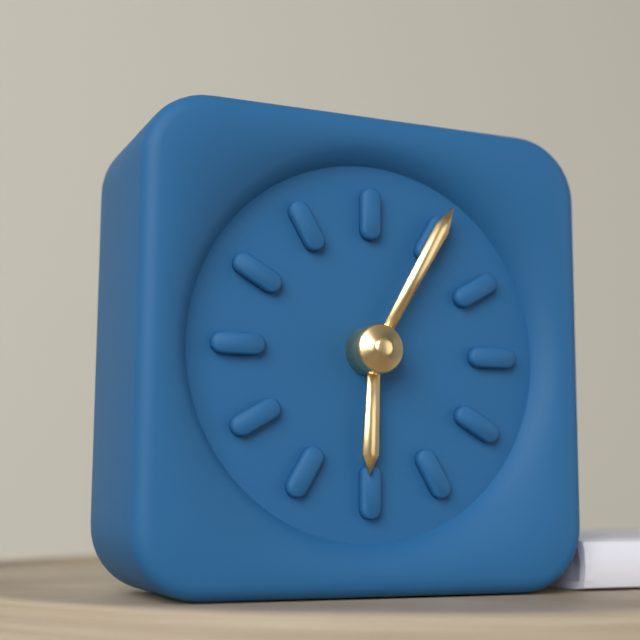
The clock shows 6.05
